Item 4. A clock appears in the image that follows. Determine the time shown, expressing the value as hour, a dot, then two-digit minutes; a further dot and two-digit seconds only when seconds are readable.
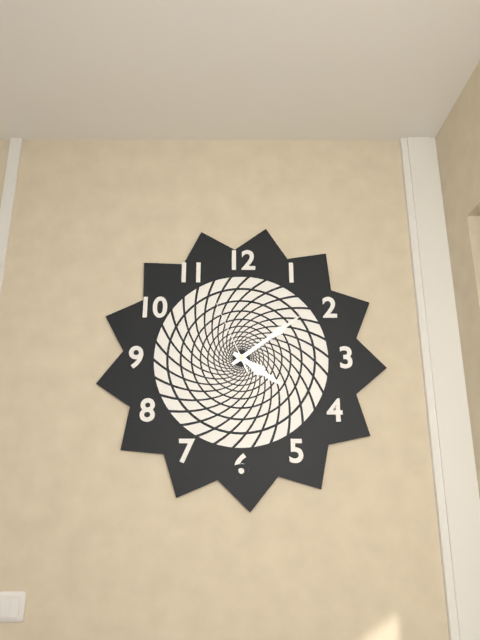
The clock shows 4.09.56
